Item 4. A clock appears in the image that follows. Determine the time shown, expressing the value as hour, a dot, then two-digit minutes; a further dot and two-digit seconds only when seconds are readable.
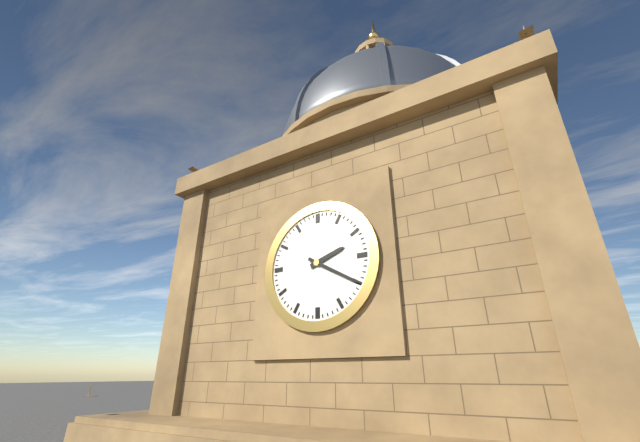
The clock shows 2.20
